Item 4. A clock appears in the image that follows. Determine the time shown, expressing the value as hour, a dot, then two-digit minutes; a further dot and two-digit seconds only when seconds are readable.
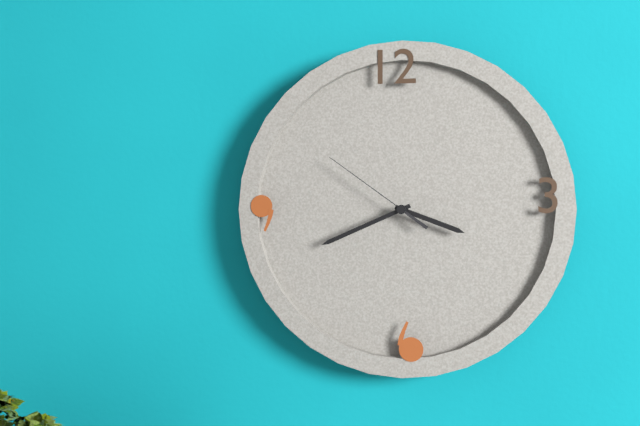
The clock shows 3.41.51
